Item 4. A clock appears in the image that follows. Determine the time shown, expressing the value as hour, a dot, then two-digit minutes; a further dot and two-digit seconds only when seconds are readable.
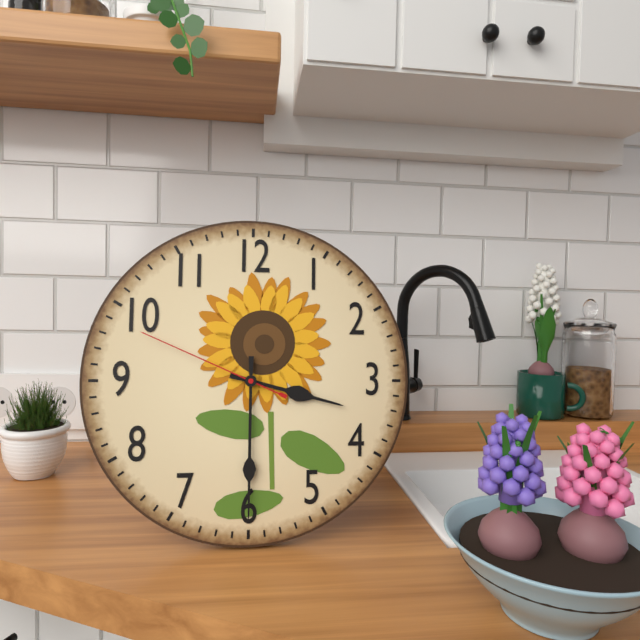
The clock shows 3.30.49
